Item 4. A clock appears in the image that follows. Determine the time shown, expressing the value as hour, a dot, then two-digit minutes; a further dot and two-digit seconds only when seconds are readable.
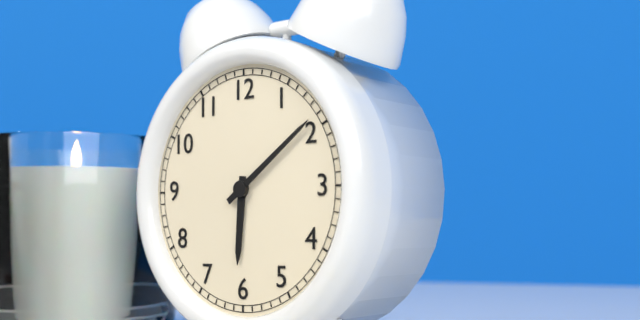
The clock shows 6.09
